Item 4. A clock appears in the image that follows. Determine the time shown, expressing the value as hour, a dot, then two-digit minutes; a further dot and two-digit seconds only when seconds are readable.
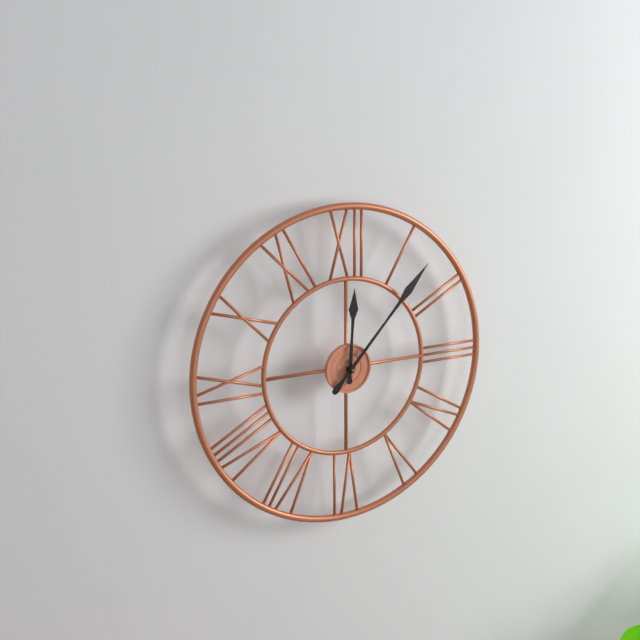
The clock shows 12.07
